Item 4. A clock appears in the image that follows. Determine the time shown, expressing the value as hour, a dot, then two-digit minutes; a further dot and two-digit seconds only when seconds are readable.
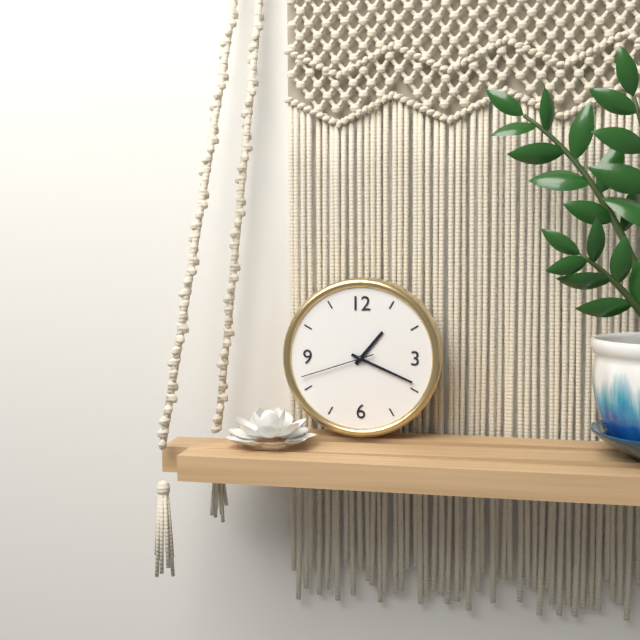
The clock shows 1.19.42
